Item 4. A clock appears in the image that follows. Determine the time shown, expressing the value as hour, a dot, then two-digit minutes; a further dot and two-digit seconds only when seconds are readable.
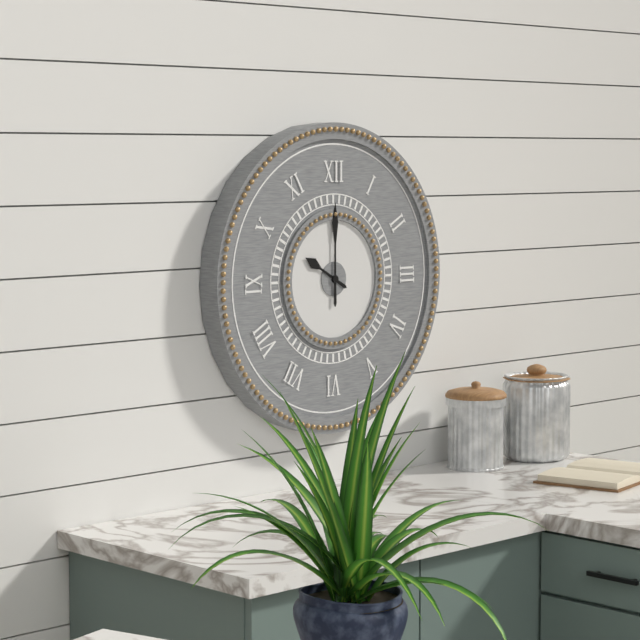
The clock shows 10.00
